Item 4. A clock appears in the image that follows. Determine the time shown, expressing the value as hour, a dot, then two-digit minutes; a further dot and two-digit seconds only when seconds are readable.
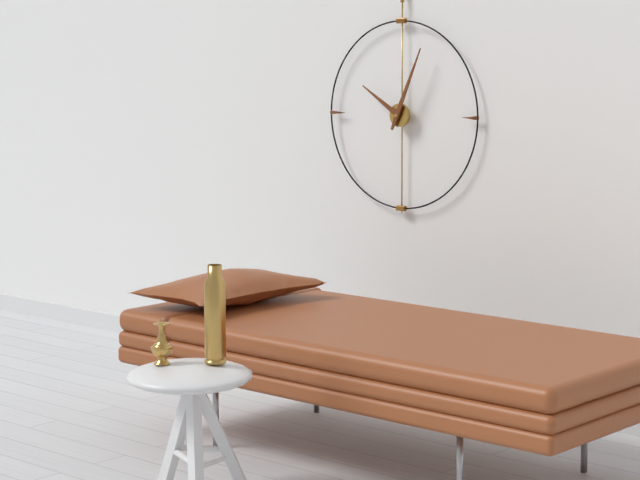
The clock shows 10.04
